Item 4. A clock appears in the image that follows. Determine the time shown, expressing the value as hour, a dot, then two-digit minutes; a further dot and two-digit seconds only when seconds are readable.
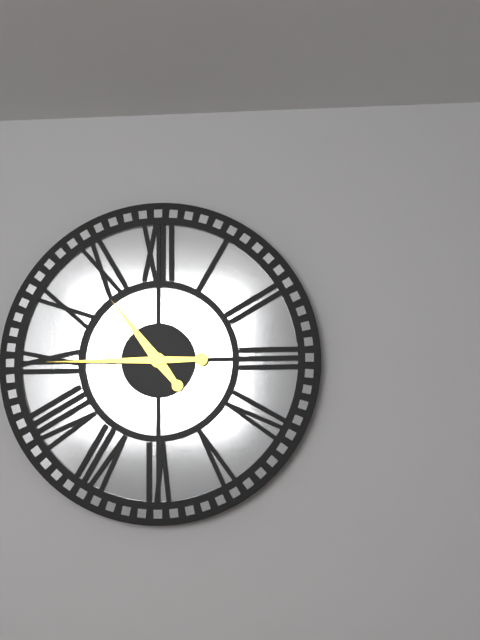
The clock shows 10.45
